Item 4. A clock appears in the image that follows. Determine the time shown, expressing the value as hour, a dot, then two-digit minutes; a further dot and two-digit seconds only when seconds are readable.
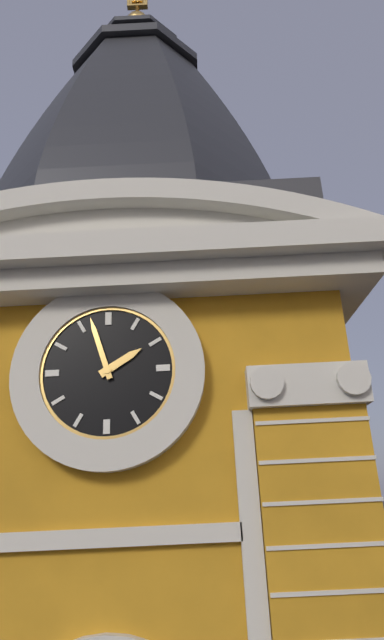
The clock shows 1.57
